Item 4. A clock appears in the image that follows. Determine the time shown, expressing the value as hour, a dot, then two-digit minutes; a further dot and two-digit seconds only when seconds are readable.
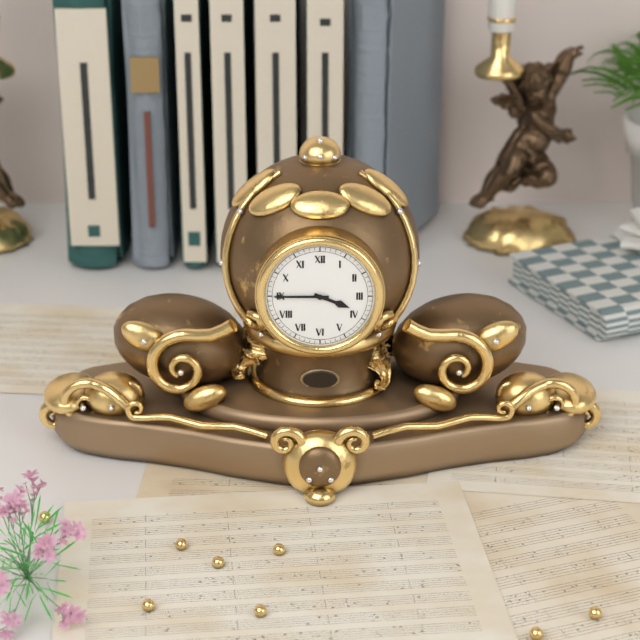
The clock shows 3.45
